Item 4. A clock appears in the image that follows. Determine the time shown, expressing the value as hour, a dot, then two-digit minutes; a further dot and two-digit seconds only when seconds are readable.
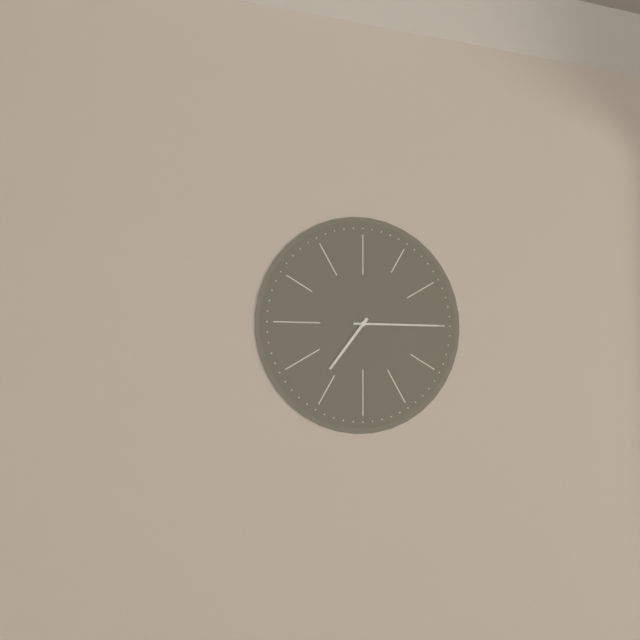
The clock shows 7.15
